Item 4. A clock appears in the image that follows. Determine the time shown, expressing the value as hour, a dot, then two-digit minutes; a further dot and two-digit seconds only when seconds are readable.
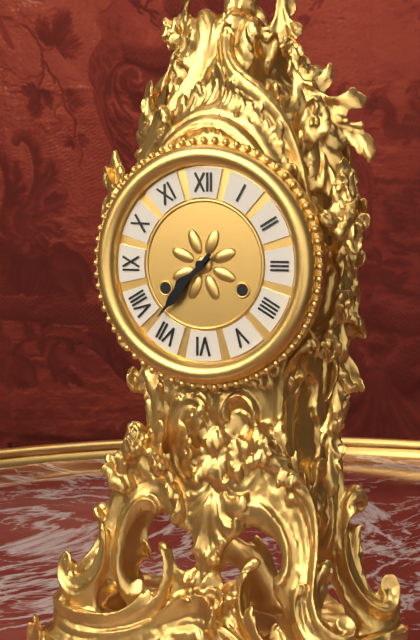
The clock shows 7.37
